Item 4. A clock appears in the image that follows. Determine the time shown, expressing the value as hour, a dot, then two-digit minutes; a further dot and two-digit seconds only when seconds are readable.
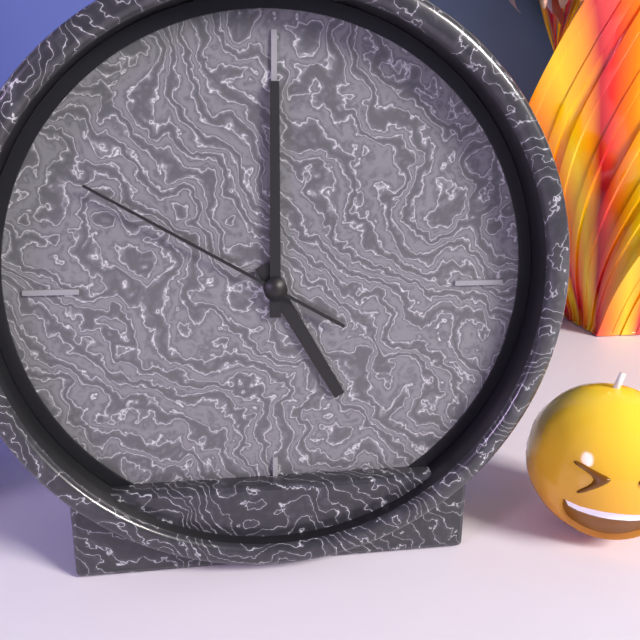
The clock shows 5.00.50
